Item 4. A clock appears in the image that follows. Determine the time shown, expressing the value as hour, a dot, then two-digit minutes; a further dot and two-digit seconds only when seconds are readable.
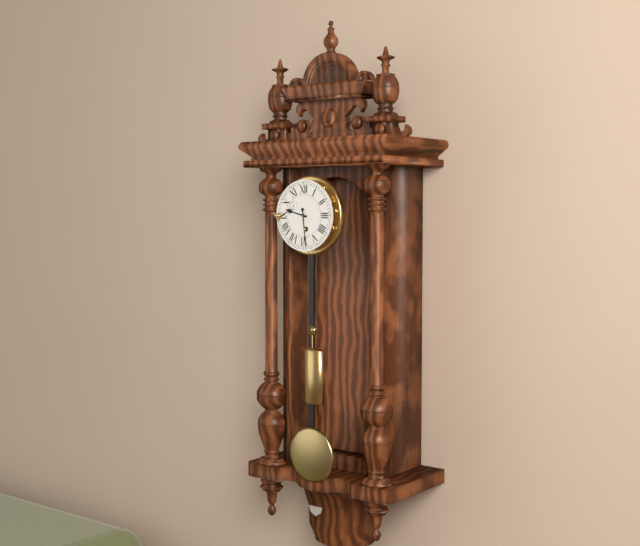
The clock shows 9.29
